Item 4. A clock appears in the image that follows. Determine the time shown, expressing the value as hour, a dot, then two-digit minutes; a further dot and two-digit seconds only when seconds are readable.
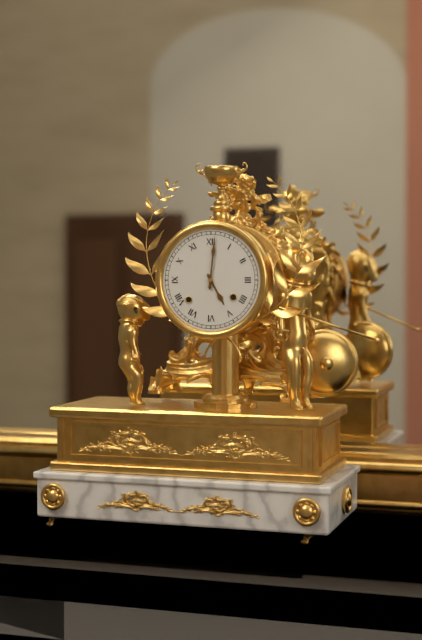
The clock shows 5.01
